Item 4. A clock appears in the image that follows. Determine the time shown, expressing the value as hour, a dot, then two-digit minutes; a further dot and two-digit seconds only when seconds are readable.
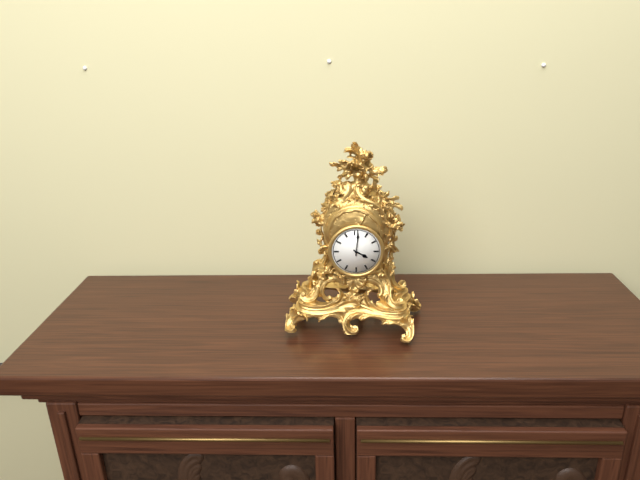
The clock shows 4.01
